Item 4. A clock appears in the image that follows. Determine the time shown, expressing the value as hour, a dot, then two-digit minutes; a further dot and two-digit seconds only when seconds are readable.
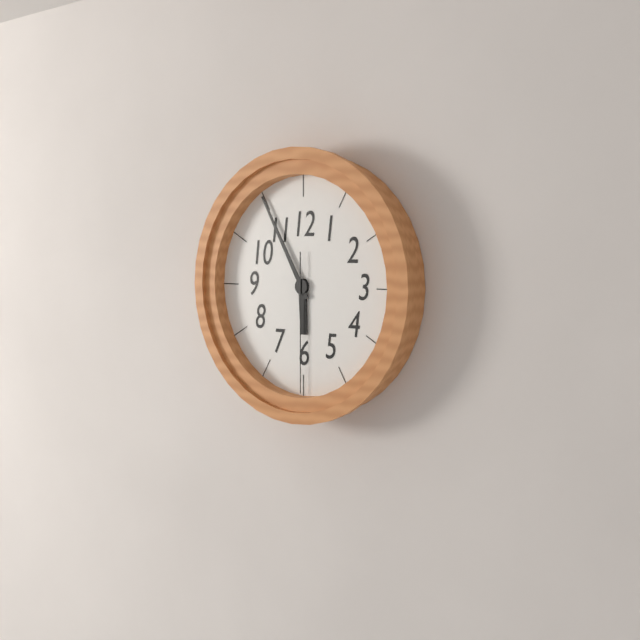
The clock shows 5.55.30
